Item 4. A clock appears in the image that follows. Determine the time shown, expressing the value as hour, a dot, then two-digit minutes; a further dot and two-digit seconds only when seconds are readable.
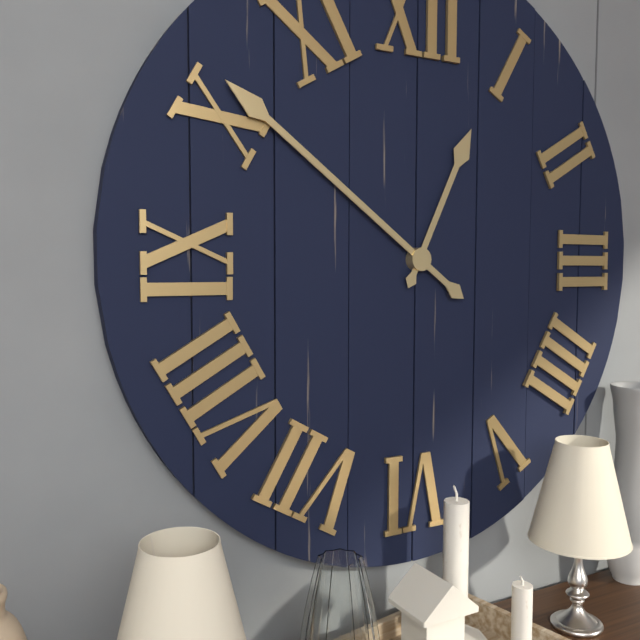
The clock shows 12.51
